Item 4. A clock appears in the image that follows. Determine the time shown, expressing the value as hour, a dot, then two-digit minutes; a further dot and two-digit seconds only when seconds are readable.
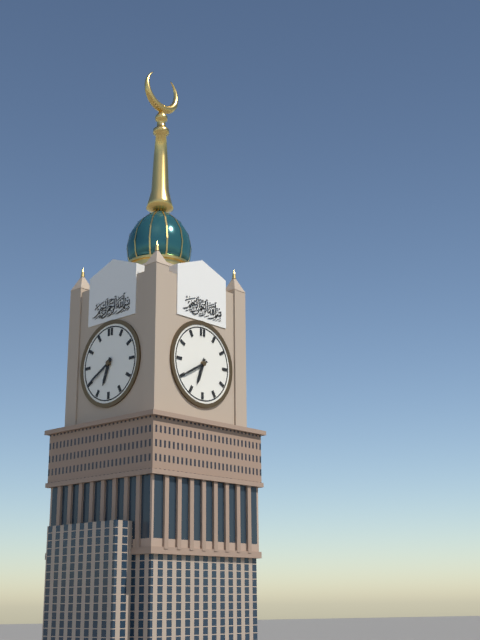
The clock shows 6.40
